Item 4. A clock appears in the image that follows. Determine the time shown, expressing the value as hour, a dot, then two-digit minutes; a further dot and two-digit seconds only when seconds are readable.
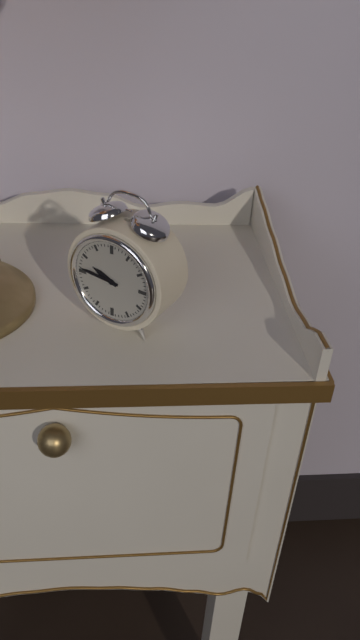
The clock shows 9.46
